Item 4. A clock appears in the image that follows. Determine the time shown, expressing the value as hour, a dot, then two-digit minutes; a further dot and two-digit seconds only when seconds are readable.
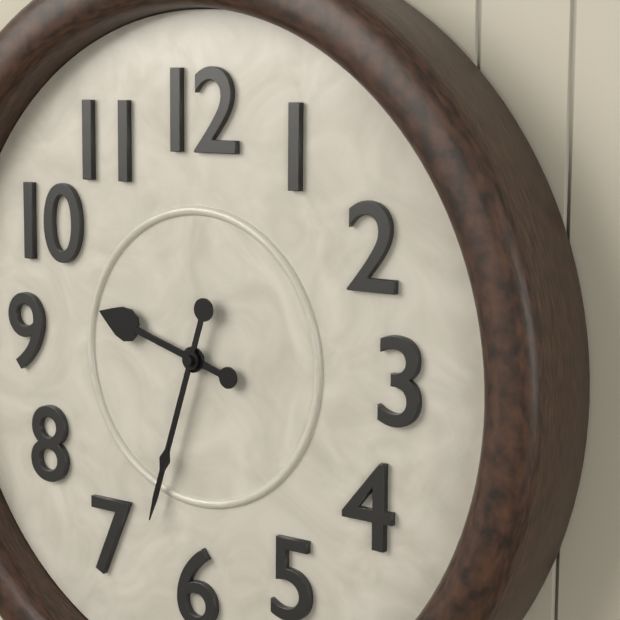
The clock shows 9.33
